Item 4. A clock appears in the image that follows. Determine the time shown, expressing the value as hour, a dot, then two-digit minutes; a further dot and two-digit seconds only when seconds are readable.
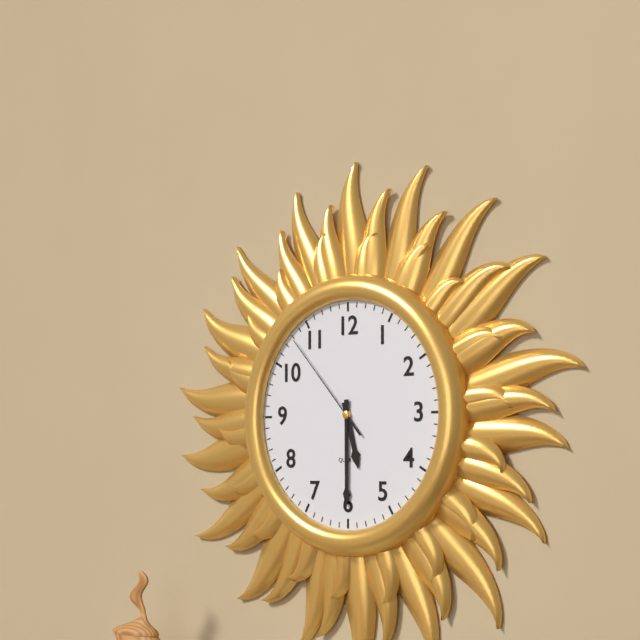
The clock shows 5.30.53
